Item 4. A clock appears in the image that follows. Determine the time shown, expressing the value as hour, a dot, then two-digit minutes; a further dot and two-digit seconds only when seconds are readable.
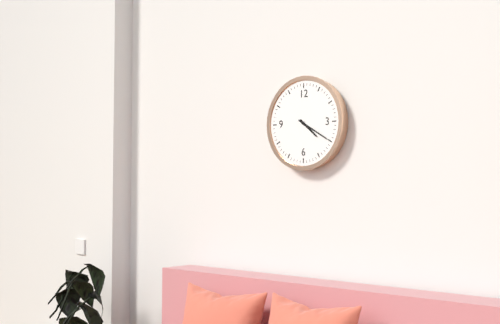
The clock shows 4.20
